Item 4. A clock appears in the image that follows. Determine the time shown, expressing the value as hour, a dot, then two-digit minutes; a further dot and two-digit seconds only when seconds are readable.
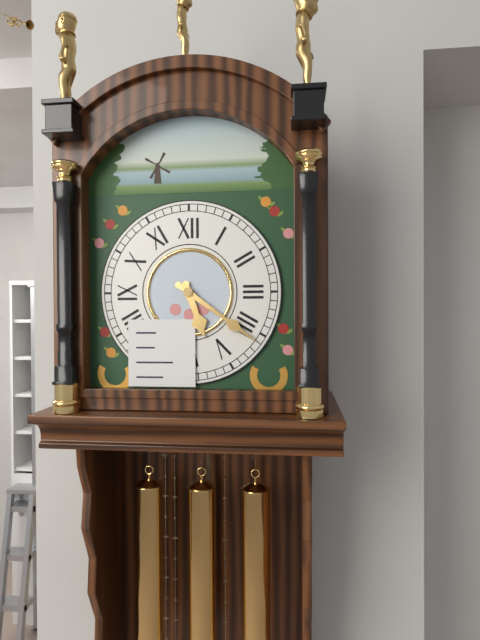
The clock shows 5.21
